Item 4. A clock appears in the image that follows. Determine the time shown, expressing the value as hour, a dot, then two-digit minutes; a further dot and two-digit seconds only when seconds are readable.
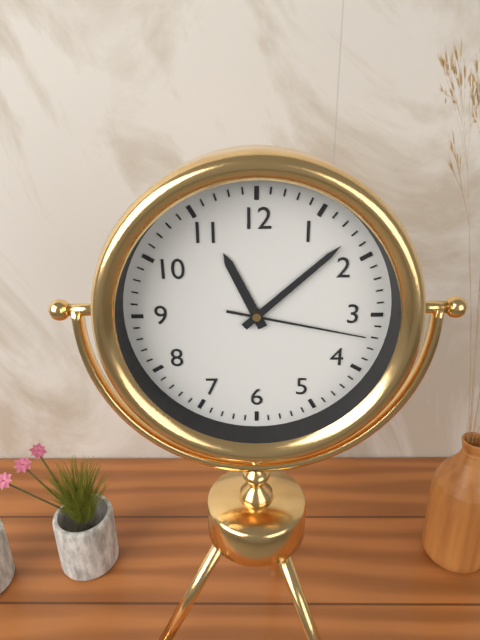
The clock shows 11.08.17
